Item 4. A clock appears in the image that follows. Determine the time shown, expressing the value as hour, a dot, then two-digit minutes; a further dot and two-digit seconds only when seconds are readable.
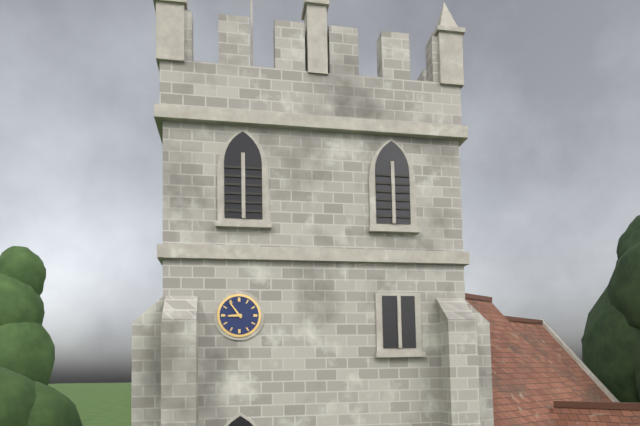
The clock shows 8.54
